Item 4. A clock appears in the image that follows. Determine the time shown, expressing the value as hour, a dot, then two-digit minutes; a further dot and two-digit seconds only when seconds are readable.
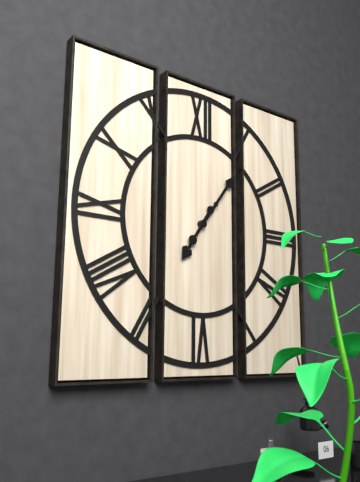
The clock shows 7.06
